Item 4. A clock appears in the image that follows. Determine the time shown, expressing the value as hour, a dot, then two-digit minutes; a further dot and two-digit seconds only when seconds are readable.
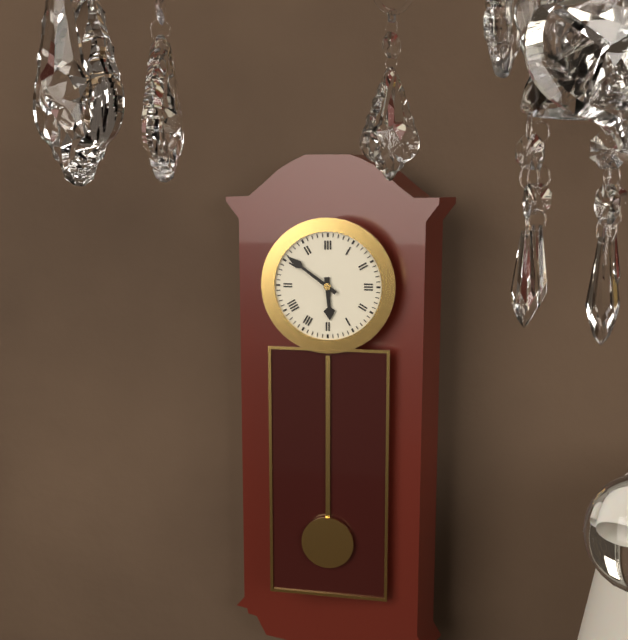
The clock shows 5.51
